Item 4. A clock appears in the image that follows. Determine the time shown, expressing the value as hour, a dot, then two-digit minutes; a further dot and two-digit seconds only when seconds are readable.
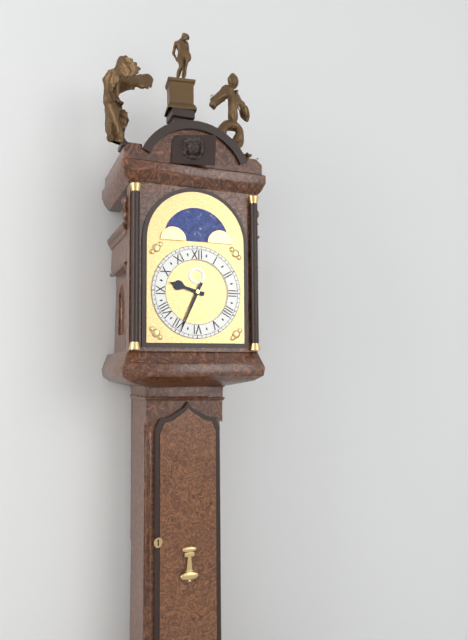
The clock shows 9.34
